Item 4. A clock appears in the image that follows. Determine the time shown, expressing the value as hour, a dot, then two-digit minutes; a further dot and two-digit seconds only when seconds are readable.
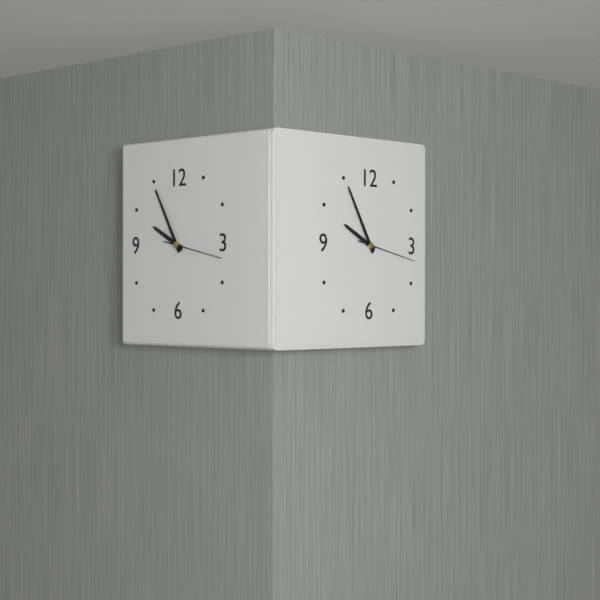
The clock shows 9.55.17
